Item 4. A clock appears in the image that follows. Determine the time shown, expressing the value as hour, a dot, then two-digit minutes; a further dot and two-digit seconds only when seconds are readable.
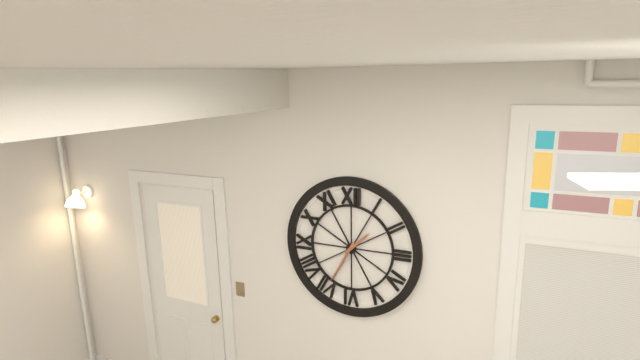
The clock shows 1.35
